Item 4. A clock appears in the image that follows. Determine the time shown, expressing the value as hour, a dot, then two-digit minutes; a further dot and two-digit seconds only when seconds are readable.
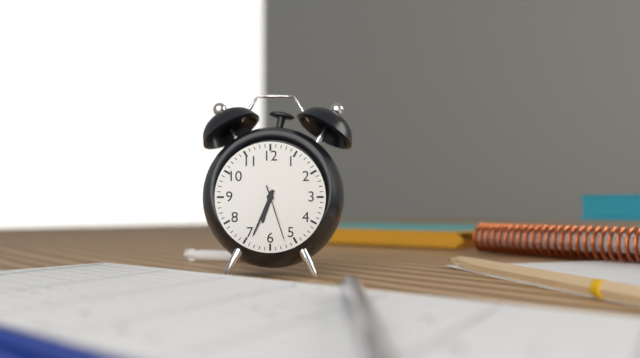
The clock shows 6.34.27
